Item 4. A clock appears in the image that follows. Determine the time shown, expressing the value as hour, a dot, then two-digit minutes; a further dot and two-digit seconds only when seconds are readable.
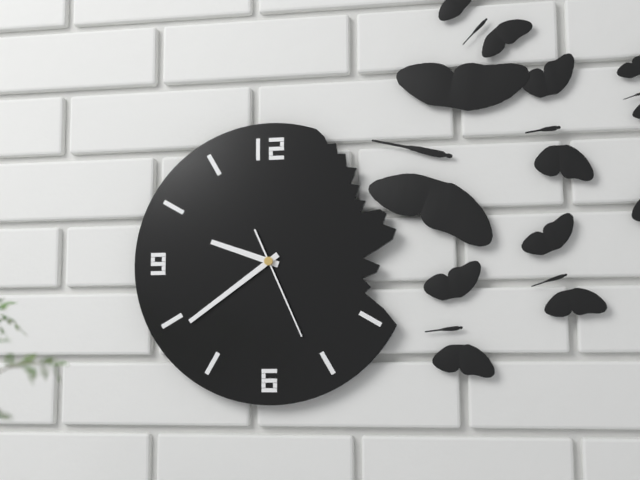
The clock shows 9.39.26
